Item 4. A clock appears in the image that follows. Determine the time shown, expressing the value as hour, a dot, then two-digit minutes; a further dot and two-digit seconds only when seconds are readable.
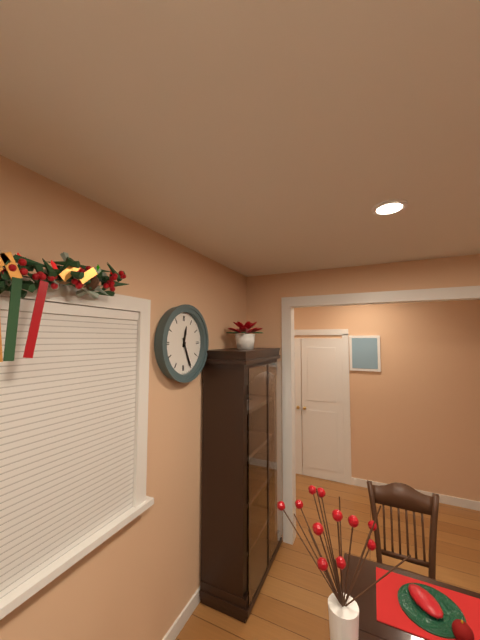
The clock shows 12.26
